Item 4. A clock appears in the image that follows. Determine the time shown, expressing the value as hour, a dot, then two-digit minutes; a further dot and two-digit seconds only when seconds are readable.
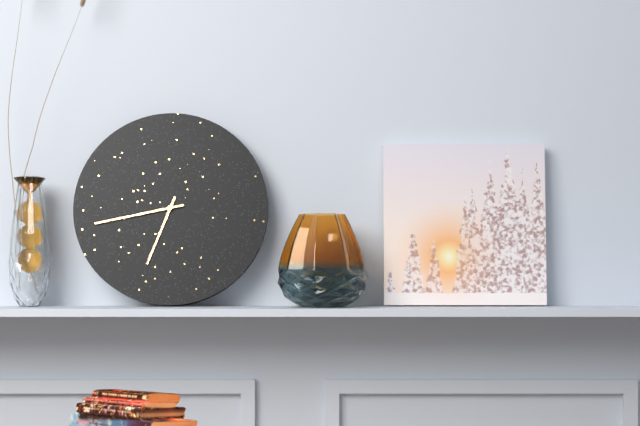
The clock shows 6.43
